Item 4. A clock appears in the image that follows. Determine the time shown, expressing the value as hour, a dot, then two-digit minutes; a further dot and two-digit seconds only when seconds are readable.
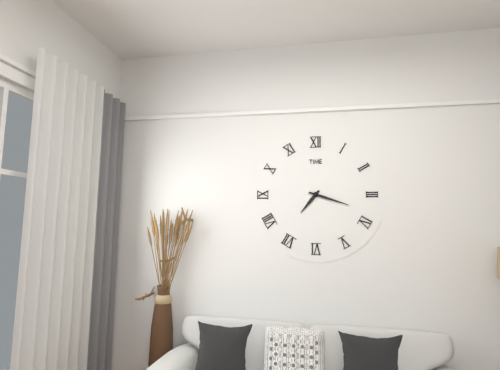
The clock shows 7.18
